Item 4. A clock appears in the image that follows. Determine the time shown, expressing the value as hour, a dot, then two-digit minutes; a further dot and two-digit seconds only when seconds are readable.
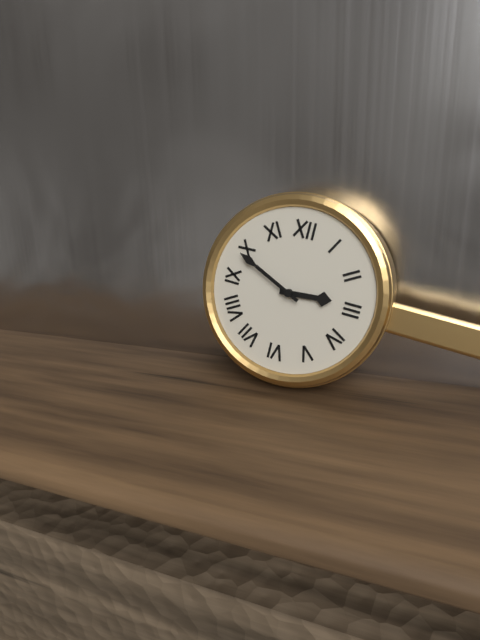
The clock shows 2.49
